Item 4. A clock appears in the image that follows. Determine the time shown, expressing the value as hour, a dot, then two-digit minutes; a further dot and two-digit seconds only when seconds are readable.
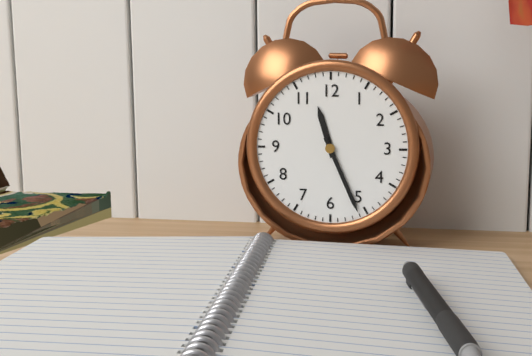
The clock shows 11.26
